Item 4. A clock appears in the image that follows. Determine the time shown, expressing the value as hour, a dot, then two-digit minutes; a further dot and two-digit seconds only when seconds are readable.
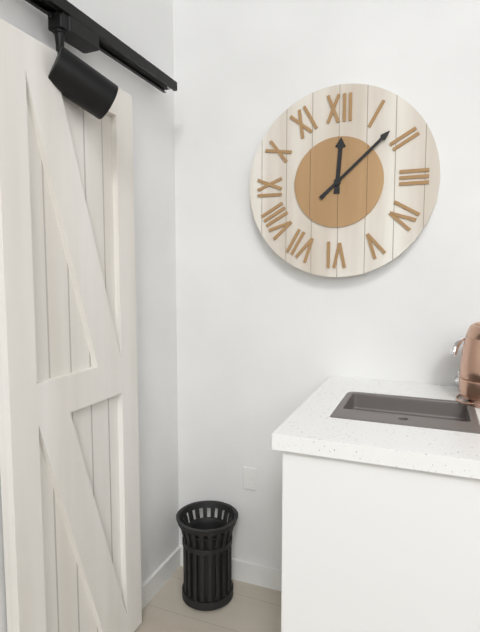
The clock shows 12.08
